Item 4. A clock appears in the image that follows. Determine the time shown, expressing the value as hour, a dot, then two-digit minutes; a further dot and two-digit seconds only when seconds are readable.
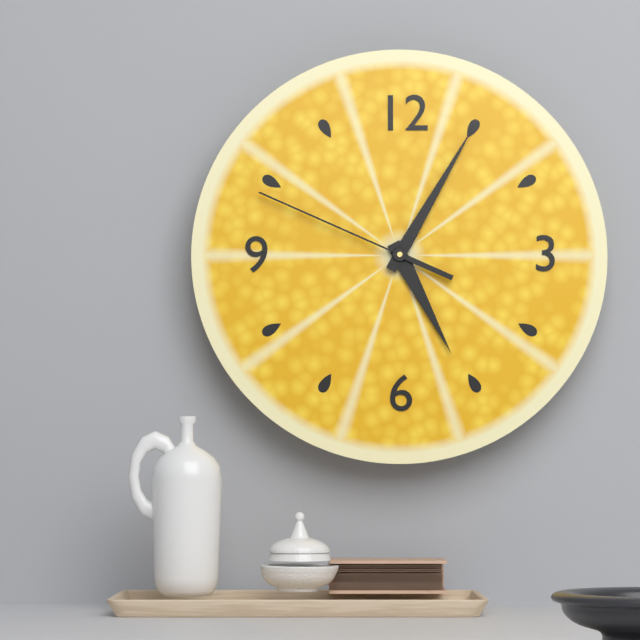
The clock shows 5.05.49
